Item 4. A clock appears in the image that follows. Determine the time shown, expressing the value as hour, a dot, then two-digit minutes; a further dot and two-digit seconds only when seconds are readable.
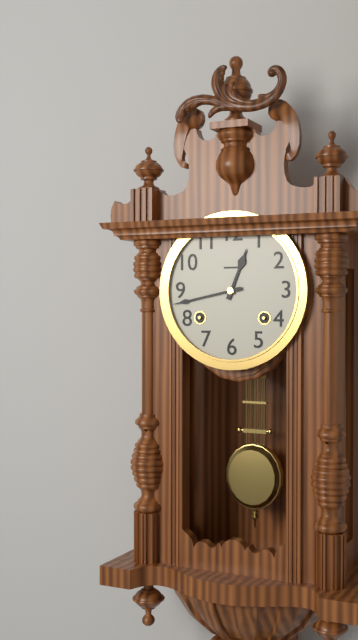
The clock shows 12.43
